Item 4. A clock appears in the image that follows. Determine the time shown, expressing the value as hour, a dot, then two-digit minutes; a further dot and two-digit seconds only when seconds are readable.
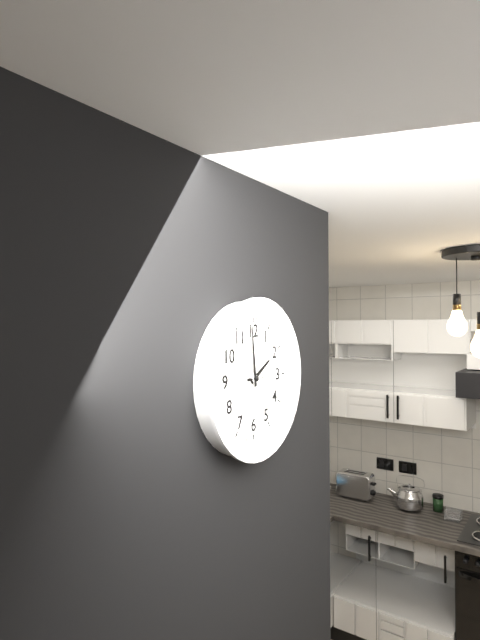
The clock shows 1.59
